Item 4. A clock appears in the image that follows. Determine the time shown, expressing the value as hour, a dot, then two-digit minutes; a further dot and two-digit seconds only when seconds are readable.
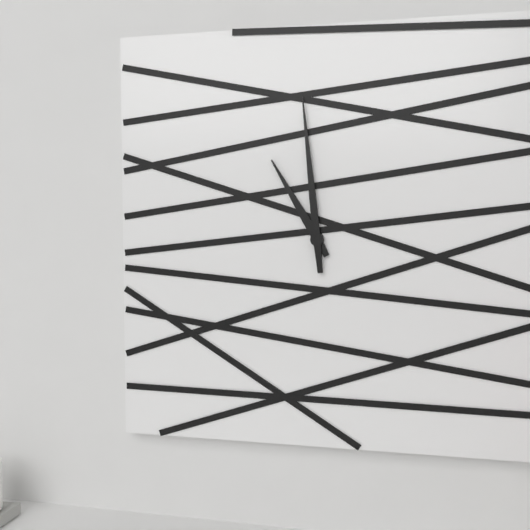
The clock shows 10.59
